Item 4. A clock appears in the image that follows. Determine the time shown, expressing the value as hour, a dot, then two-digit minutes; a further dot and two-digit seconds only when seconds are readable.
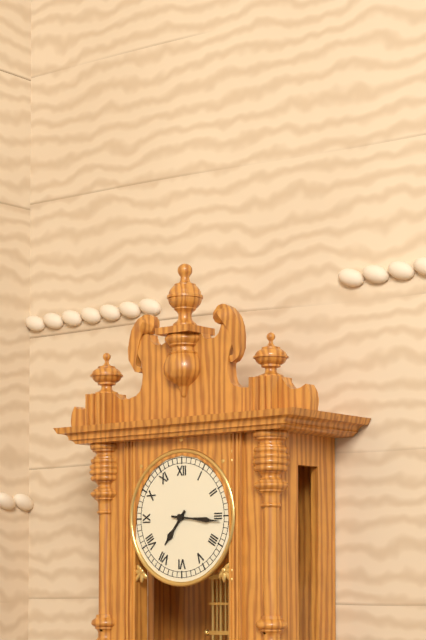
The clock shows 7.16
